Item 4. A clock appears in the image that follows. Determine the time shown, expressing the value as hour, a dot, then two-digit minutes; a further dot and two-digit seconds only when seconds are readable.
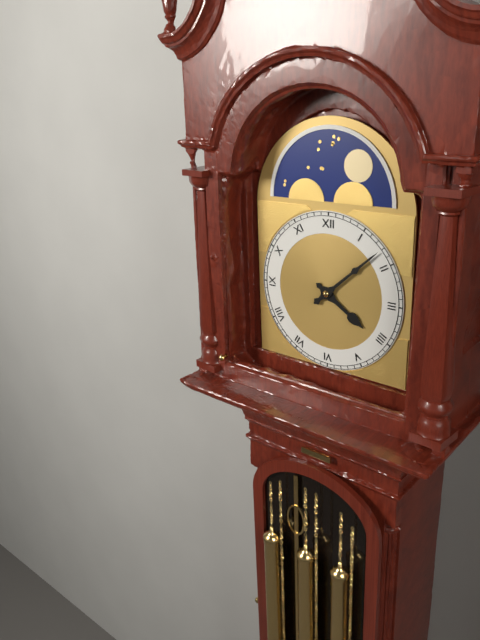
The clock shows 4.08
